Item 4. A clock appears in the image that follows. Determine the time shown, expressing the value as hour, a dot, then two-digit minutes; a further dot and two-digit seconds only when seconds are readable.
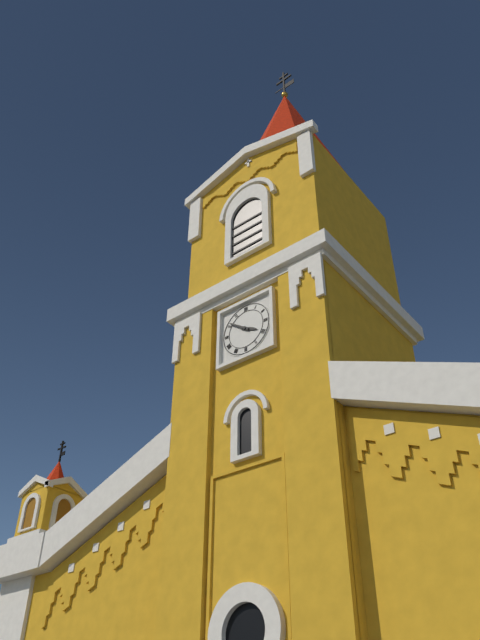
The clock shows 3.51
